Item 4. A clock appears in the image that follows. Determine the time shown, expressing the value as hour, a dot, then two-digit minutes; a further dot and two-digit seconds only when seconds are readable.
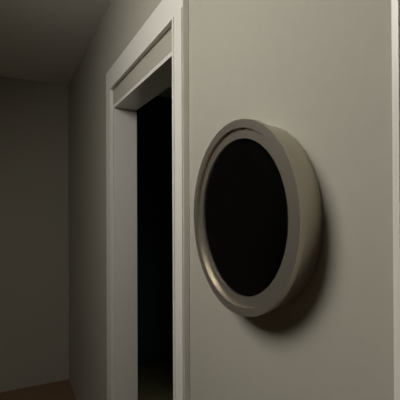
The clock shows 2.20
